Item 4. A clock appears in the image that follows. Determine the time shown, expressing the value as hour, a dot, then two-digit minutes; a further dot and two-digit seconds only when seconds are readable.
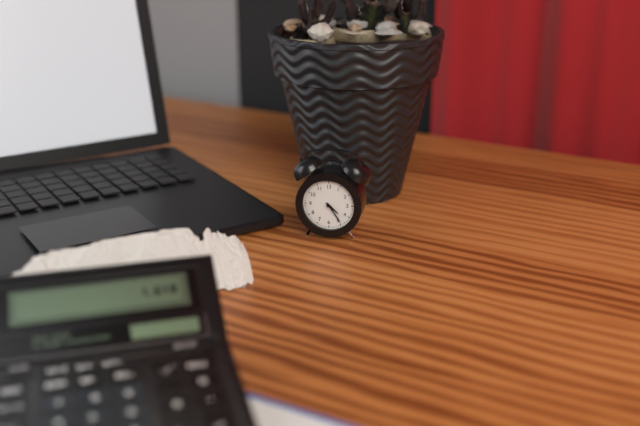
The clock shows 4.24
